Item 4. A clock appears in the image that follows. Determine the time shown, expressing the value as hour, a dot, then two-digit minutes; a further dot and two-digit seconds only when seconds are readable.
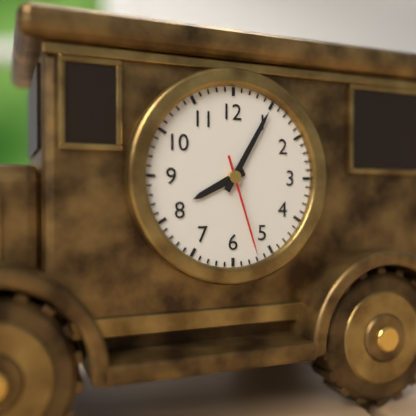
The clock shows 8.05.27
